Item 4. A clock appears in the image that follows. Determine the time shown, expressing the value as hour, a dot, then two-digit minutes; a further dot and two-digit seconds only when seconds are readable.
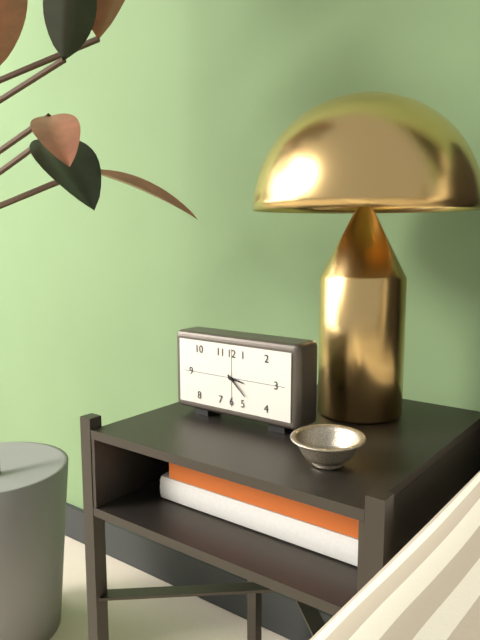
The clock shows 3.22
